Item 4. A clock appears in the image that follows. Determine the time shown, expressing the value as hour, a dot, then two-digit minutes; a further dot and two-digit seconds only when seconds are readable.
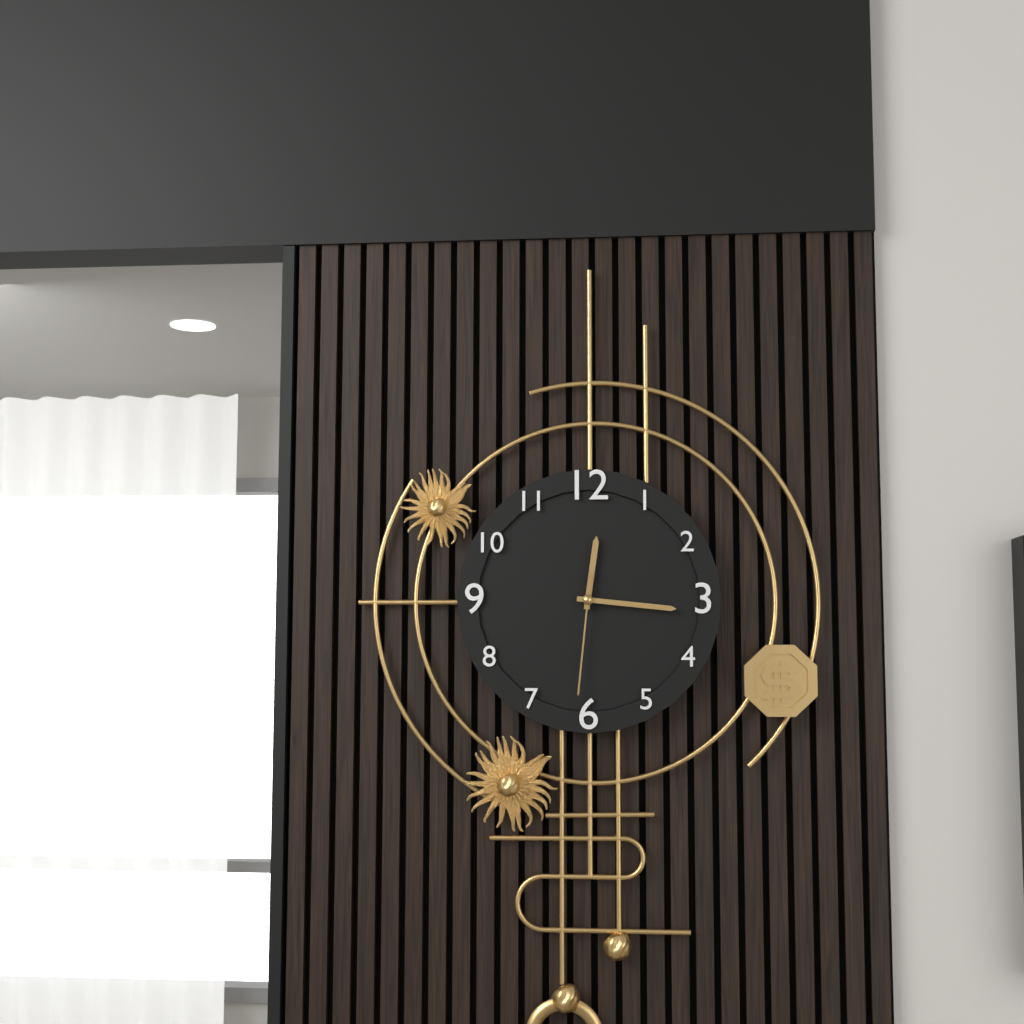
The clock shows 12.16.31
